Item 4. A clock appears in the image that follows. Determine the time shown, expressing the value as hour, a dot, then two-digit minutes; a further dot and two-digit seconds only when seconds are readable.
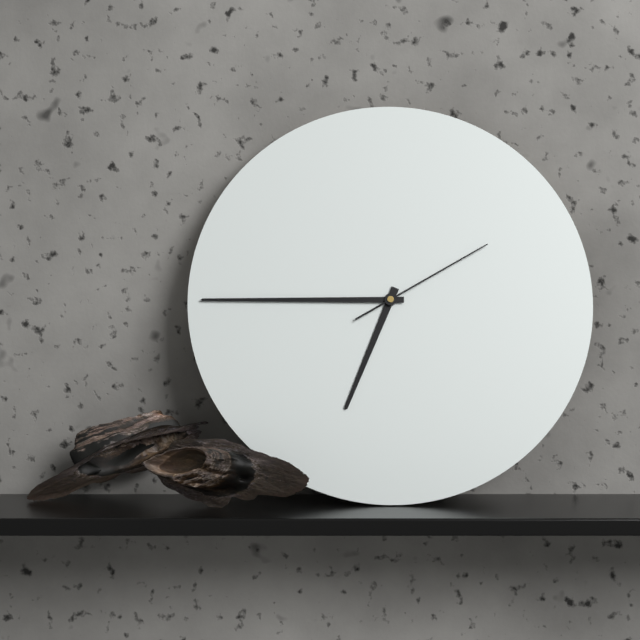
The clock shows 6.45.10
